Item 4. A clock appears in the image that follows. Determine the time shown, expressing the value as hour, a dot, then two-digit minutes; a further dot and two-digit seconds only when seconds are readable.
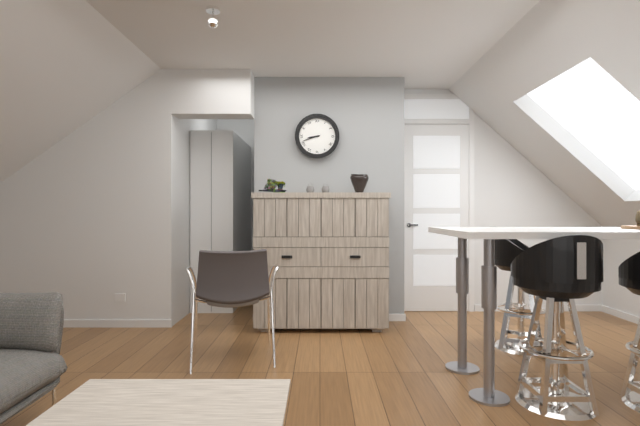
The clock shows 8.42
